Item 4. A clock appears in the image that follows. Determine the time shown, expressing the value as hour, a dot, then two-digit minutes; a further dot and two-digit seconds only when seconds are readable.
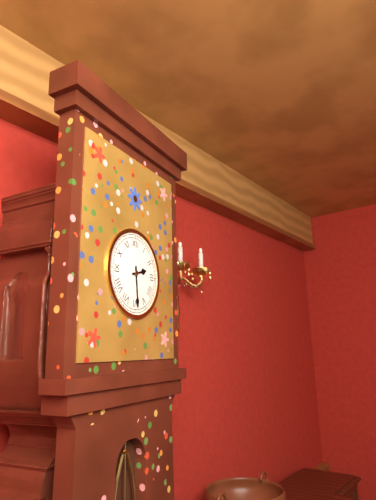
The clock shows 2.29
